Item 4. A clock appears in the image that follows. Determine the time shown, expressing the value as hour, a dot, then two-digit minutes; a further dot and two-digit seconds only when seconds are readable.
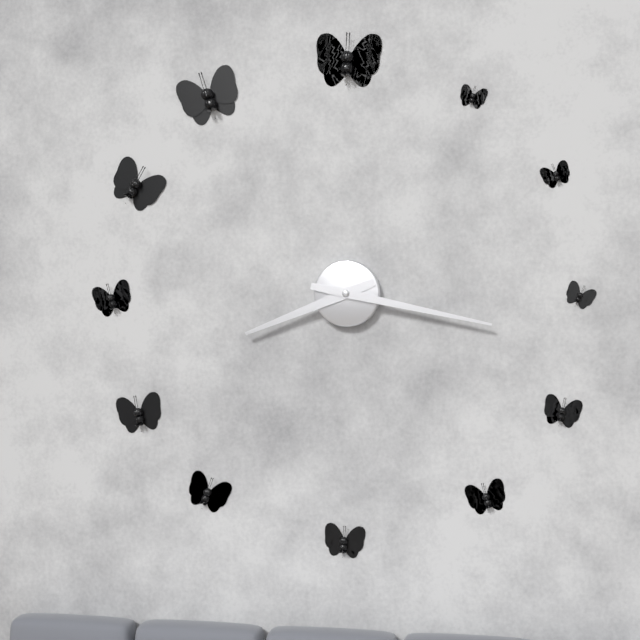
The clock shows 8.17
